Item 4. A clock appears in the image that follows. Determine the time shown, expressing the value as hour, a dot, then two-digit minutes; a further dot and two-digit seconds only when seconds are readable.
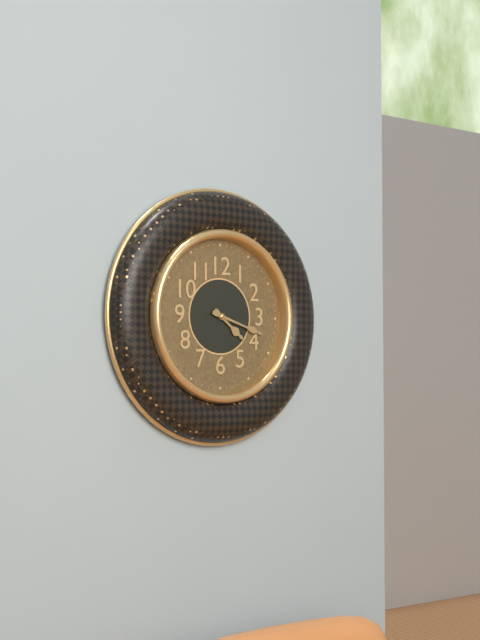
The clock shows 4.18
